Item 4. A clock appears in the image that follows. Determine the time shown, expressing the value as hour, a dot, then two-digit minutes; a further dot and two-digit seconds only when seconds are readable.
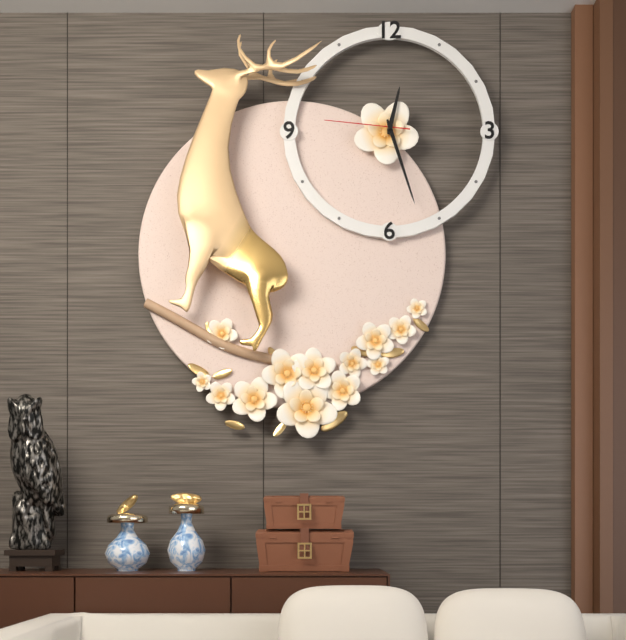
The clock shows 12.27.46
